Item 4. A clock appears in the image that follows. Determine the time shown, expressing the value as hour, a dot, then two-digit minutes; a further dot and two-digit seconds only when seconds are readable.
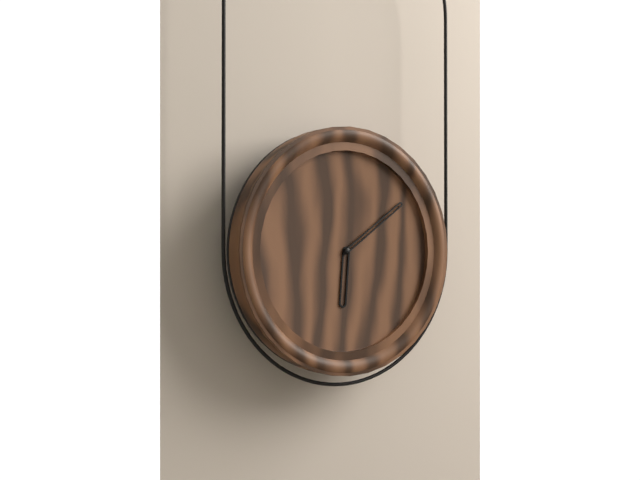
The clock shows 6.09
